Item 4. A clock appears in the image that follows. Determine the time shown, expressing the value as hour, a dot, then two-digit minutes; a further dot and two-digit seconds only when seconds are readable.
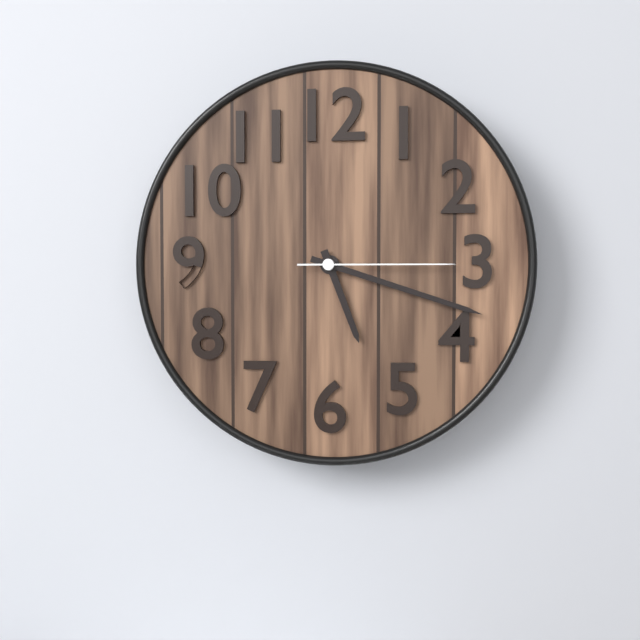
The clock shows 5.18.15
